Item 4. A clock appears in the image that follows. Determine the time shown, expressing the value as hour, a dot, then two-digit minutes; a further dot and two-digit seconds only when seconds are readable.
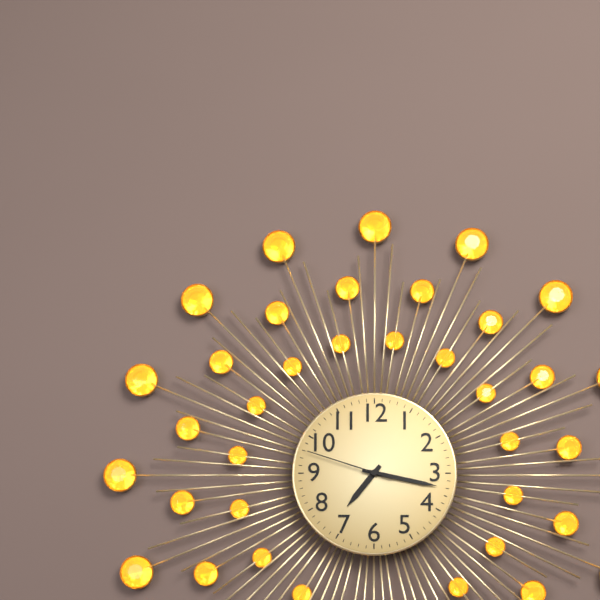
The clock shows 7.17.48
